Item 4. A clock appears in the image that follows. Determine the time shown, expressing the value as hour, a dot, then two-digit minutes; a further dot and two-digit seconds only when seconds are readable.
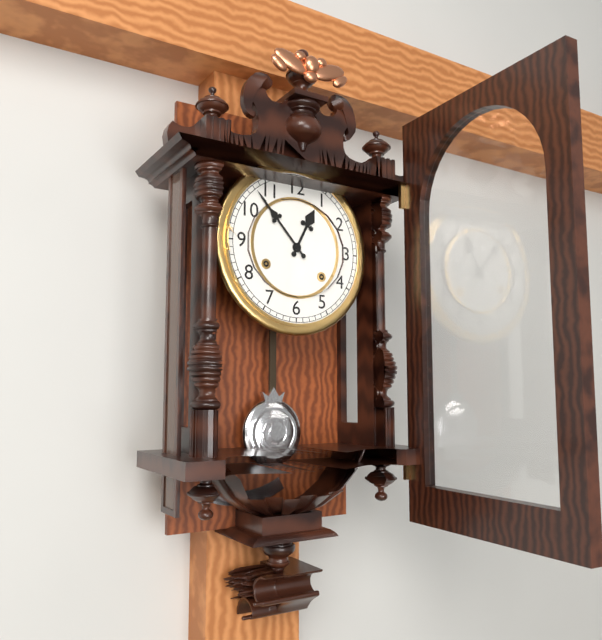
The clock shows 12.53
